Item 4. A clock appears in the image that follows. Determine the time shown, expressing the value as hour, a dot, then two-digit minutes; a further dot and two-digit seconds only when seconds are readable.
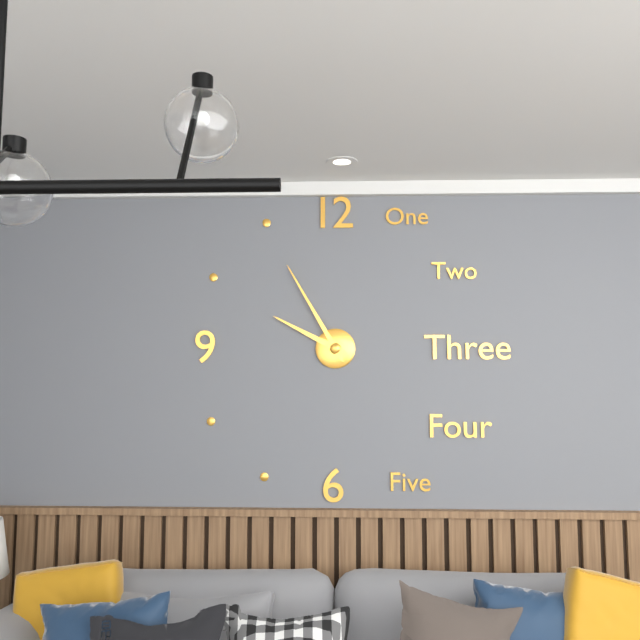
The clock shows 9.55
